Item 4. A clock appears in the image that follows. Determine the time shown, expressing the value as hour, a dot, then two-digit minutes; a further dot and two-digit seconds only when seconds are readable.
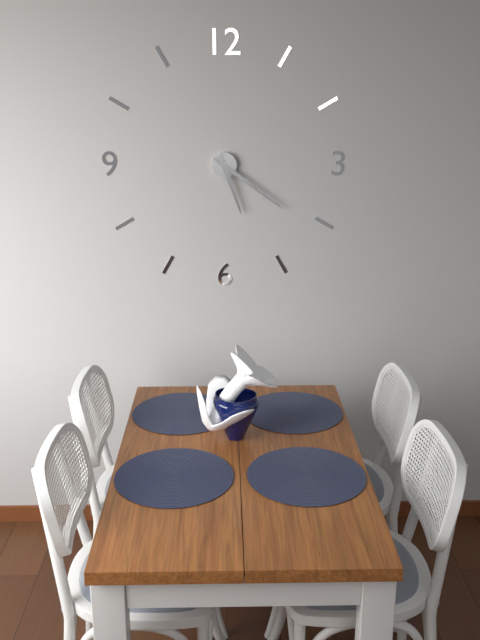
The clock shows 5.21
